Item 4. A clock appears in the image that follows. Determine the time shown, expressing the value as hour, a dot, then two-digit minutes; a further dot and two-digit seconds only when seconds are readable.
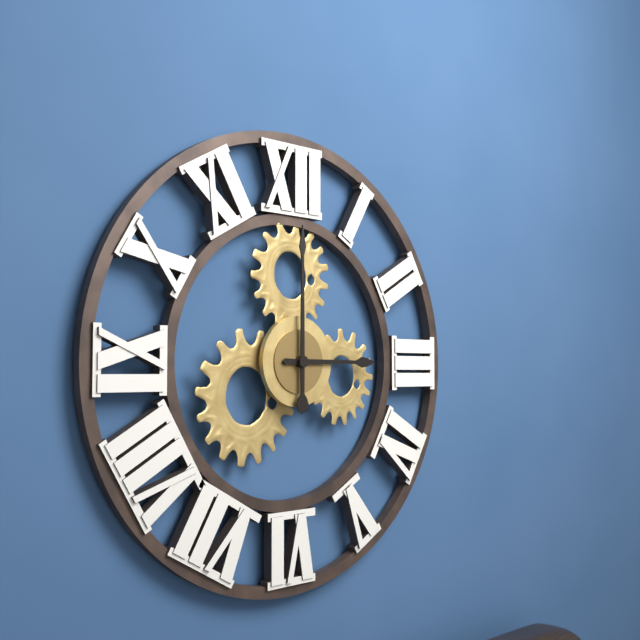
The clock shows 3.00
